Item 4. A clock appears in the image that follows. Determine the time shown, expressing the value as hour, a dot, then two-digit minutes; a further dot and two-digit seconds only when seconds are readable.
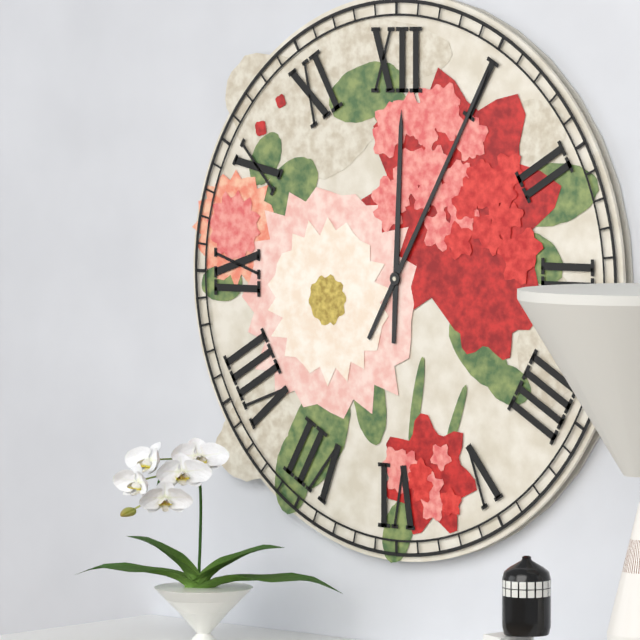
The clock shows 12.05
